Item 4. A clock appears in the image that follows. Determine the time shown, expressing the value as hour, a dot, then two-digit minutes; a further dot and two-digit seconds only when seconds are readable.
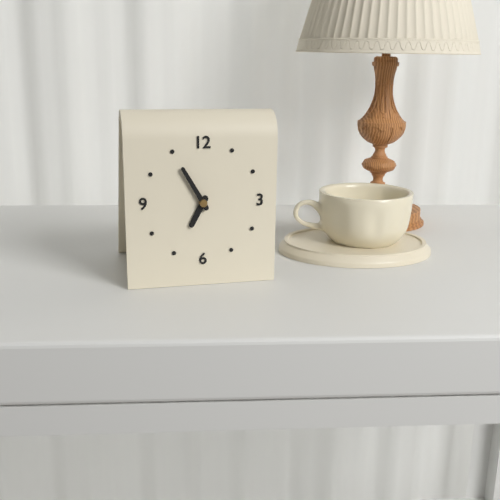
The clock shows 6.55
